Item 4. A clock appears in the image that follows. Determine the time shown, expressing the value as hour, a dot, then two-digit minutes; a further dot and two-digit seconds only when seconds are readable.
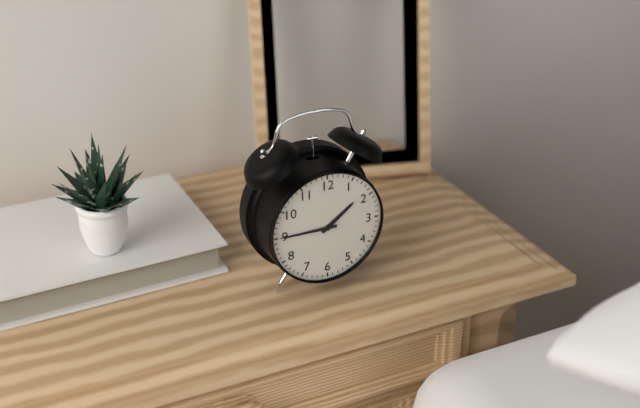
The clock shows 1.45
